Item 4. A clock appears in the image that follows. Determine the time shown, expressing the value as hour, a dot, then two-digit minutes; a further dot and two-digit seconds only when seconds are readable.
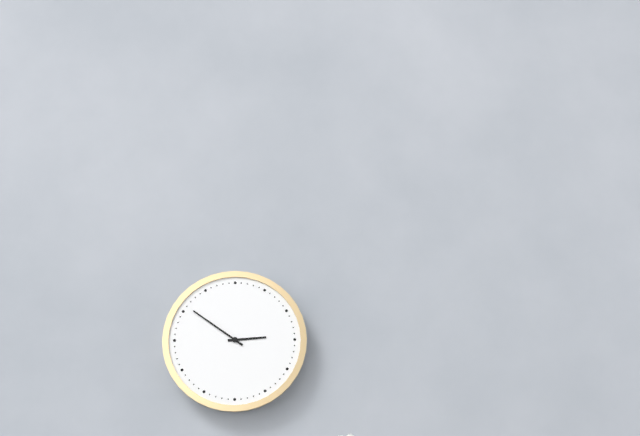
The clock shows 2.51
